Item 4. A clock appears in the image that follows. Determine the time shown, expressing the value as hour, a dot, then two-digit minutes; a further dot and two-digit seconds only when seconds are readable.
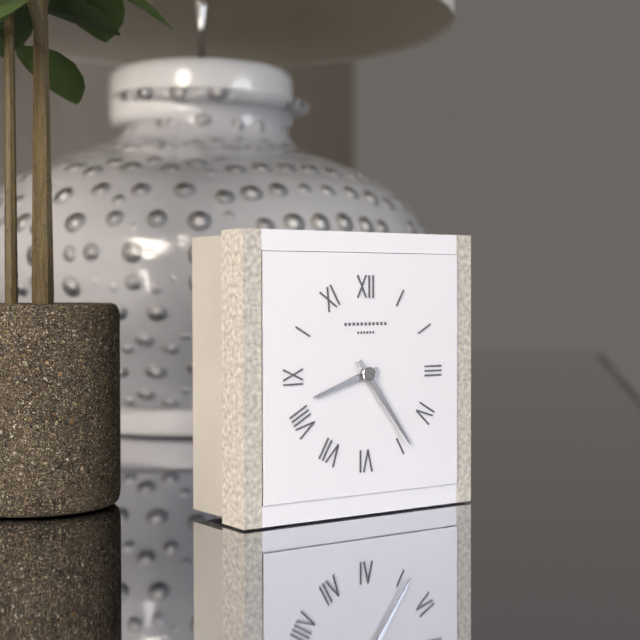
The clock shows 8.24
